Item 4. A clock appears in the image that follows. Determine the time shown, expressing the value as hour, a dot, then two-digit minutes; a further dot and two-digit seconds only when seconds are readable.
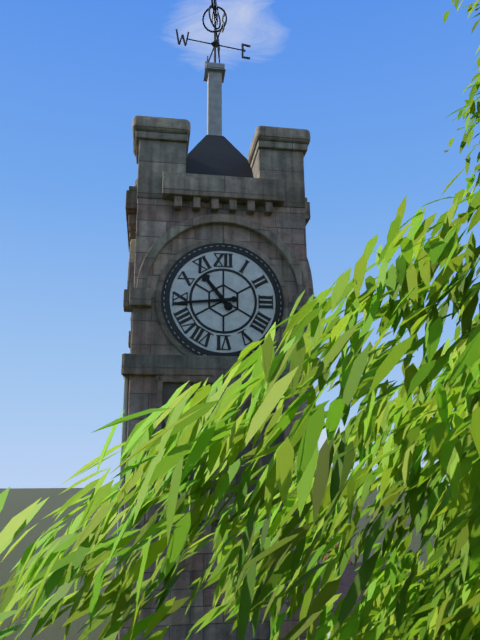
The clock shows 10.44
